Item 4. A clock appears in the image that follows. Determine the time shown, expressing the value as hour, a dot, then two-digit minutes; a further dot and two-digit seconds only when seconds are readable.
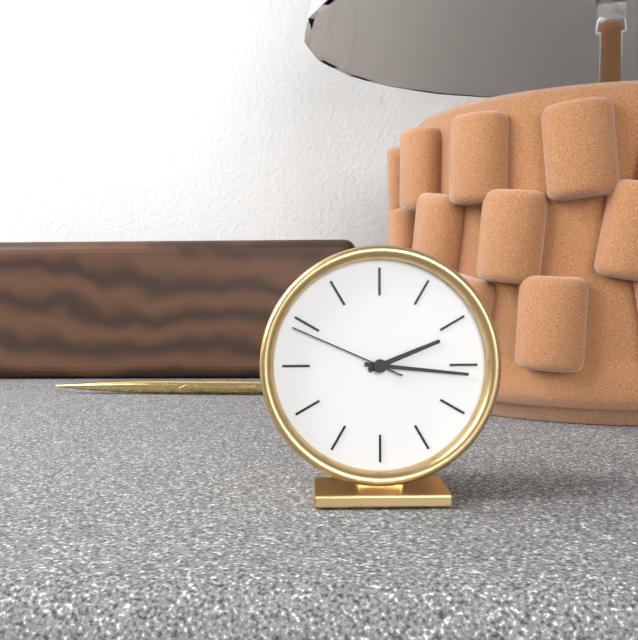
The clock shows 2.16.49
